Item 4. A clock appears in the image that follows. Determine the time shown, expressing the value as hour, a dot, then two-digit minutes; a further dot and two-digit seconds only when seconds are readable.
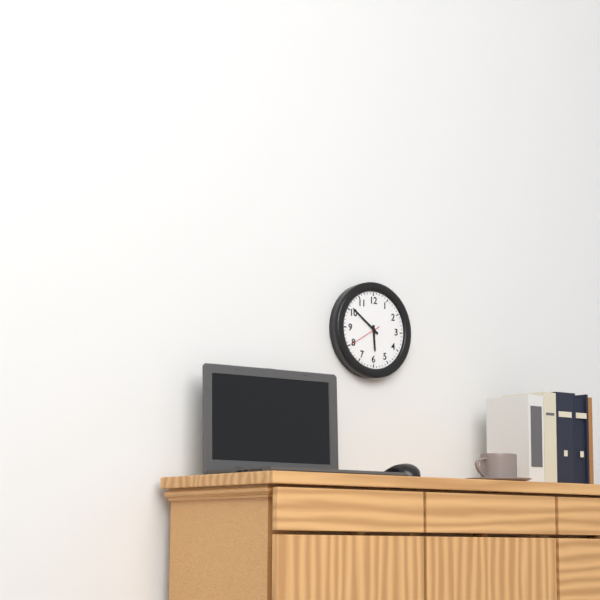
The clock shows 5.51
